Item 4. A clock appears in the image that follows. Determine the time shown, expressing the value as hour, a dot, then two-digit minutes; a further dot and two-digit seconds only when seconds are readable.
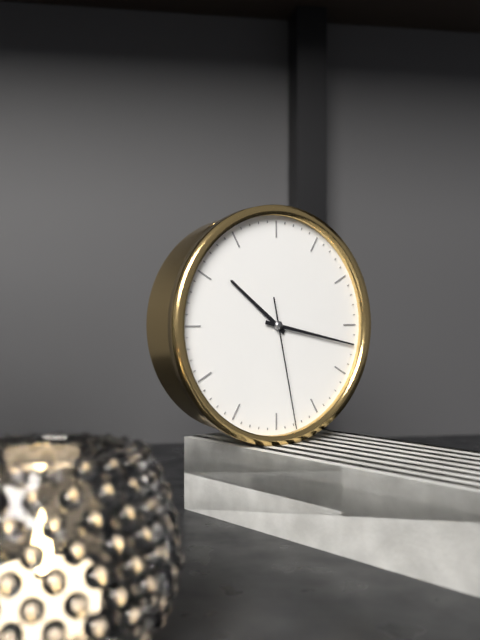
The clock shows 10.17.28
